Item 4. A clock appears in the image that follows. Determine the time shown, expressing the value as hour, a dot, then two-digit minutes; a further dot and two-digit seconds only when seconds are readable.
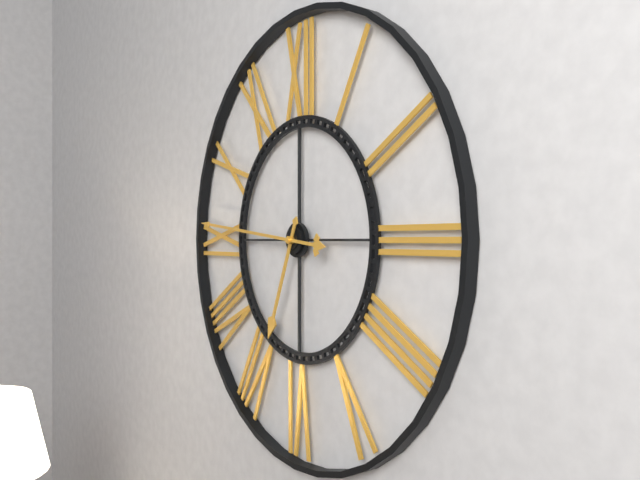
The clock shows 6.46
